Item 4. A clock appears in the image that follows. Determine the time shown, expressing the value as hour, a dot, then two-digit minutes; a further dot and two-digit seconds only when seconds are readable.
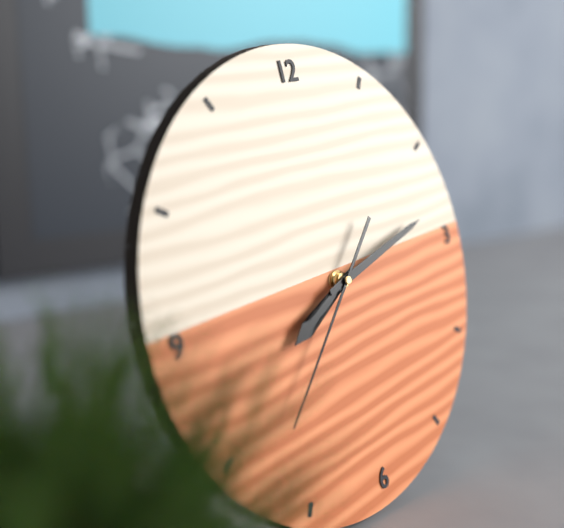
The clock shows 8.13.38
